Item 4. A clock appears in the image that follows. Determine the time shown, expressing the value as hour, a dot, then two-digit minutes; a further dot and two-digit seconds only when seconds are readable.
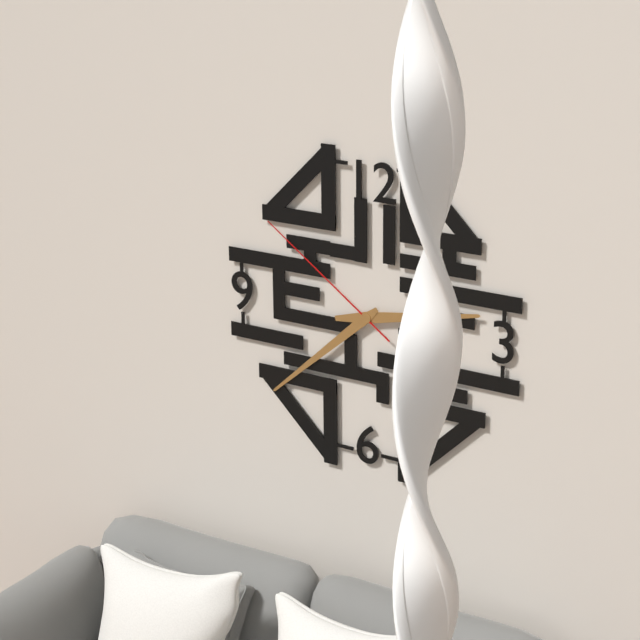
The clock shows 2.38.51
